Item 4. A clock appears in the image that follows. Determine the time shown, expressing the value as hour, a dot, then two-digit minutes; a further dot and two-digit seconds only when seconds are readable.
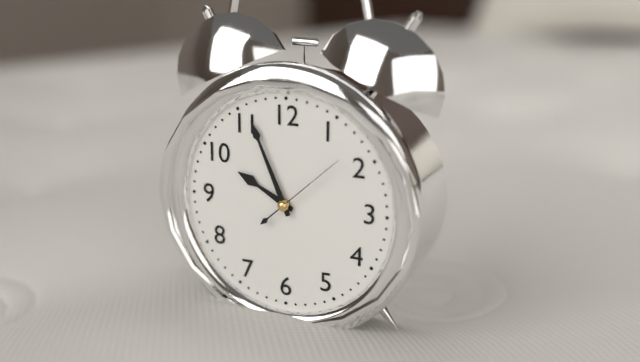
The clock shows 9.56.08
